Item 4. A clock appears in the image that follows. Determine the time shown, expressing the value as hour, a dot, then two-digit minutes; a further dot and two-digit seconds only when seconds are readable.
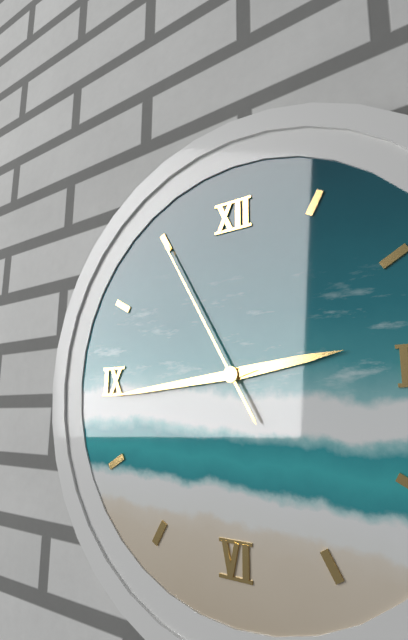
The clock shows 2.44.55
